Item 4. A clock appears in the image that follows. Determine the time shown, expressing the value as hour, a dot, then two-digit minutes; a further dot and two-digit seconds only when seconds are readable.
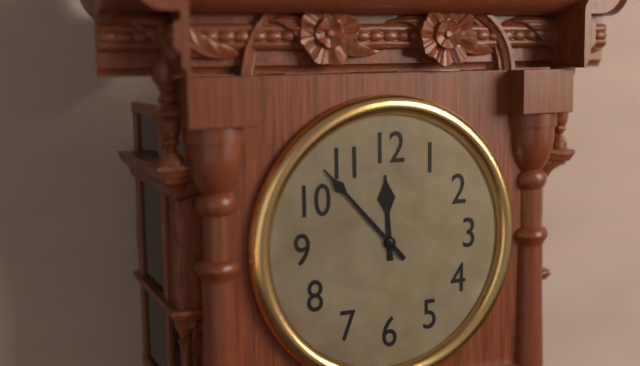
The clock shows 11.53
